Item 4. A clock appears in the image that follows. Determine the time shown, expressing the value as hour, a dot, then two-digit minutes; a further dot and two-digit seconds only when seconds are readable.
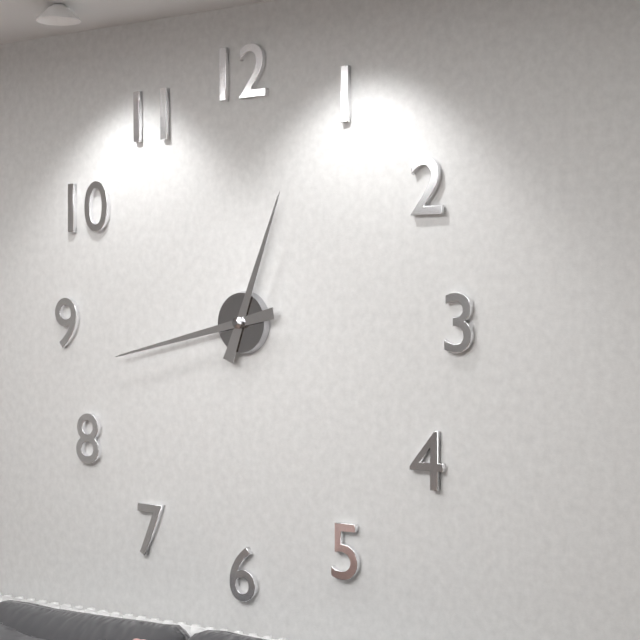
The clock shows 12.43
